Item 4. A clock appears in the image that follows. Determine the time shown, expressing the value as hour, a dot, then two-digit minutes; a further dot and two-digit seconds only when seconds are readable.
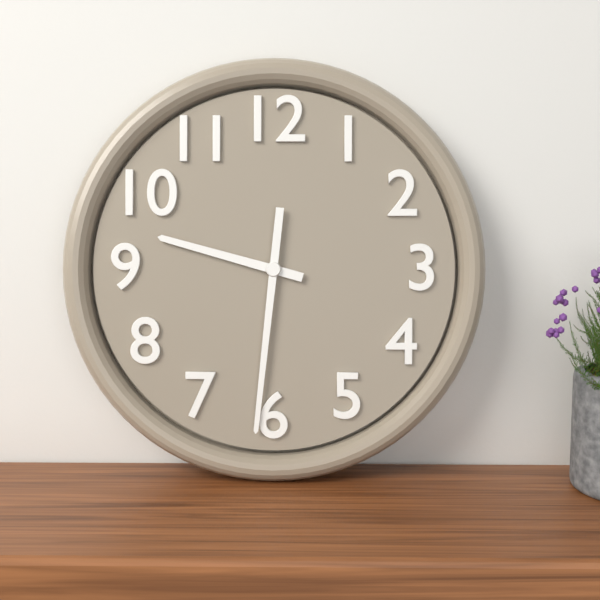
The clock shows 9.31
